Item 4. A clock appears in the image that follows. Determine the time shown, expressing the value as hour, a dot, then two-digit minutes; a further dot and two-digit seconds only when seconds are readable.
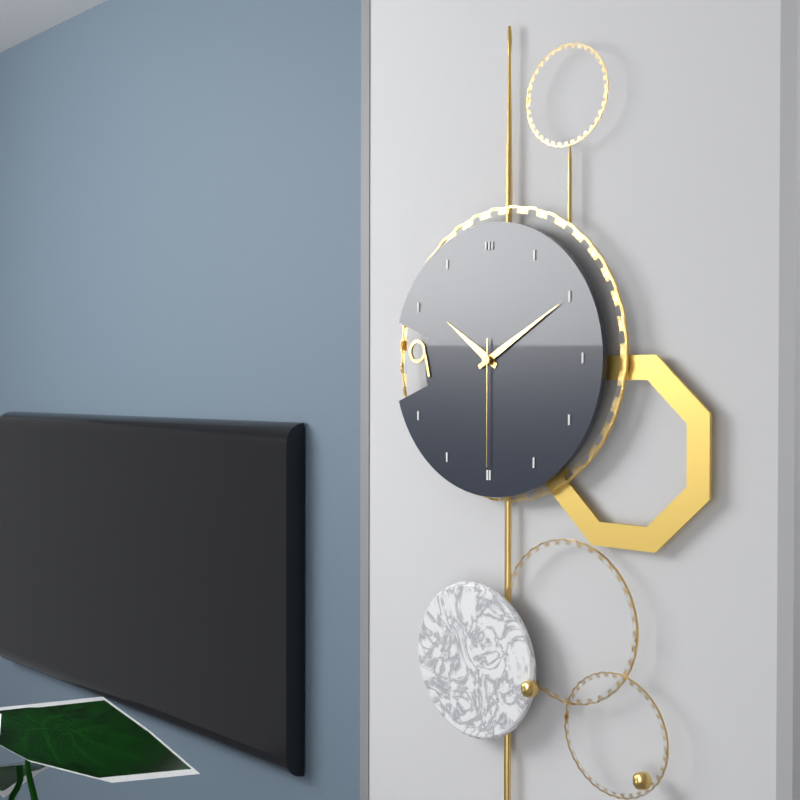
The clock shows 10.10.30
